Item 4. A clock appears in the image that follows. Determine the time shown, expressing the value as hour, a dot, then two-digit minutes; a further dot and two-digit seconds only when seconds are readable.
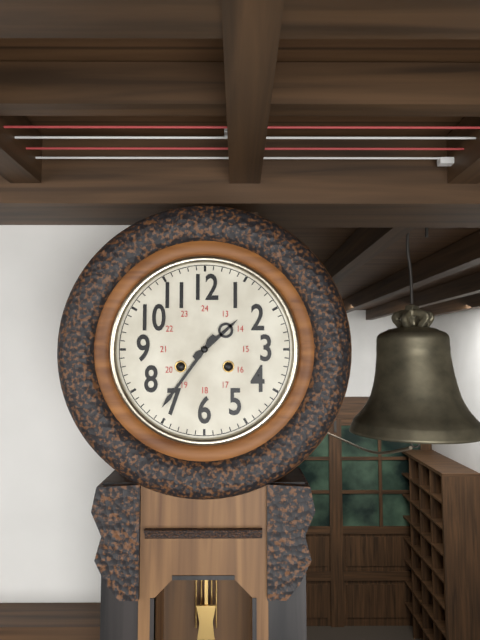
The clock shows 1.36
